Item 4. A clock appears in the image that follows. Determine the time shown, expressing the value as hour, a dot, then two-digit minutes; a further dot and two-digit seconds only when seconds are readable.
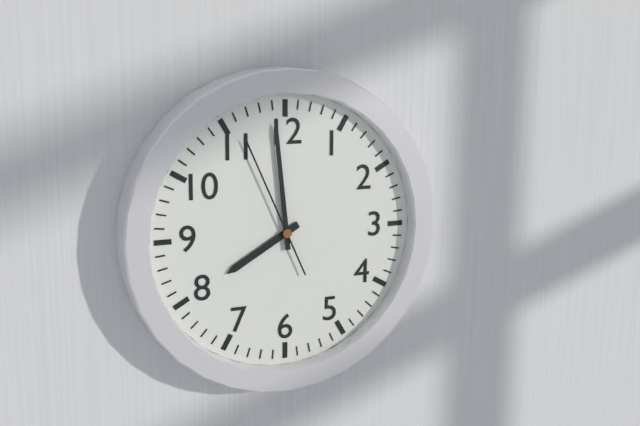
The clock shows 7.59.56
